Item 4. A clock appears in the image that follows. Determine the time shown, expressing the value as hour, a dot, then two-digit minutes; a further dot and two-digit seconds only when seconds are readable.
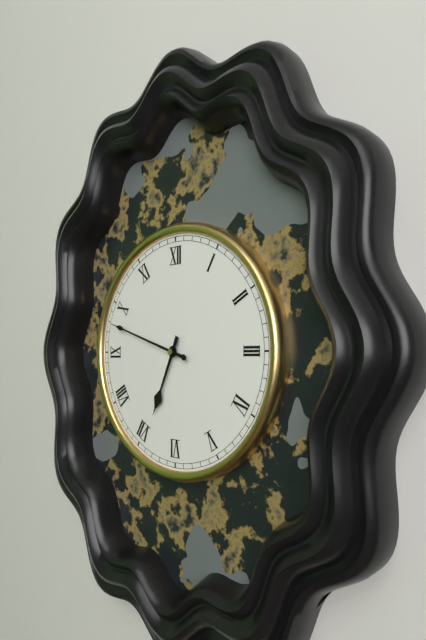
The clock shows 6.48
